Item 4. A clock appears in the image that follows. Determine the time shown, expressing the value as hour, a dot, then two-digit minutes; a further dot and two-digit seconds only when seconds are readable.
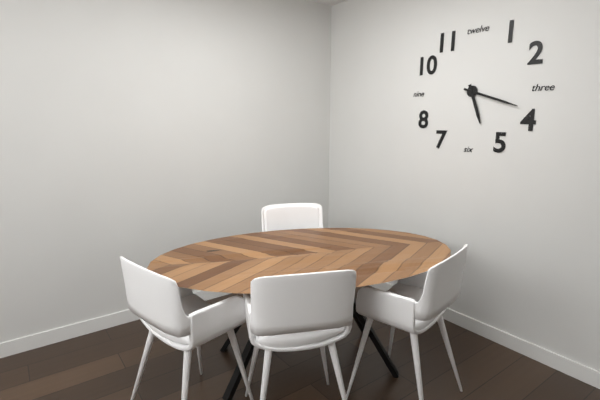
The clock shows 5.18
